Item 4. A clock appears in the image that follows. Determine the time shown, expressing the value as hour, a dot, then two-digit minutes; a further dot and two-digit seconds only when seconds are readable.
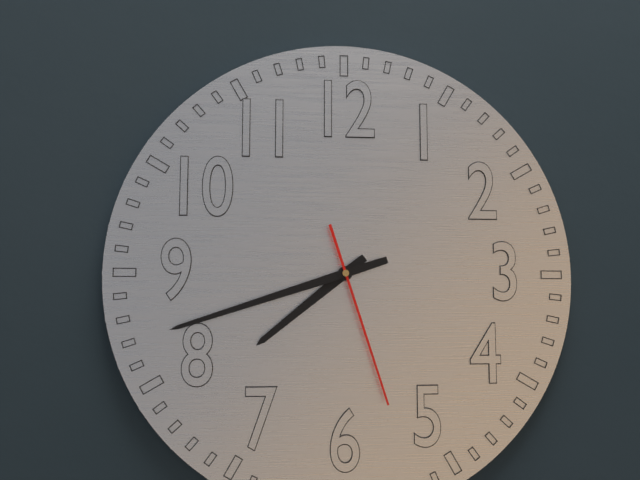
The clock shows 7.42.27
